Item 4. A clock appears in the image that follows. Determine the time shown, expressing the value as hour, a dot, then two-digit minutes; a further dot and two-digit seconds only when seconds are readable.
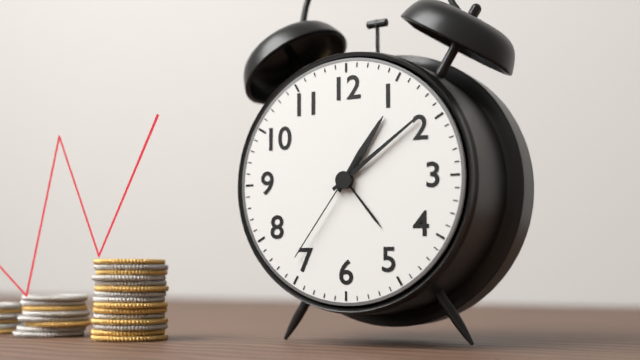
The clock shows 1.09.36
